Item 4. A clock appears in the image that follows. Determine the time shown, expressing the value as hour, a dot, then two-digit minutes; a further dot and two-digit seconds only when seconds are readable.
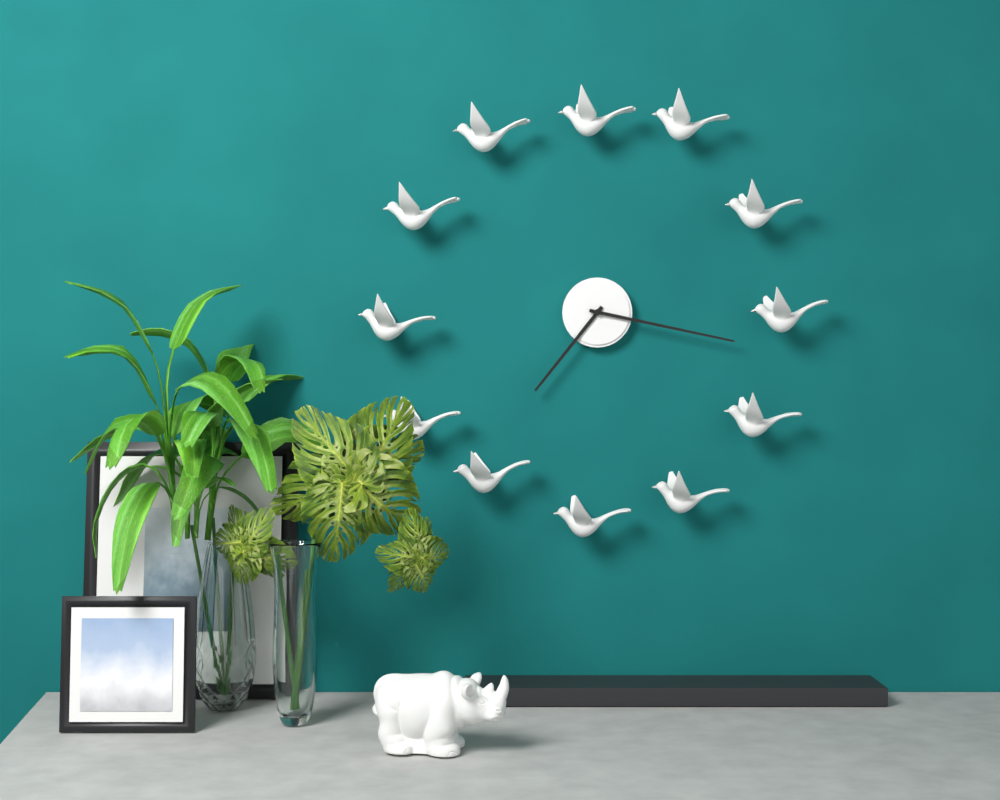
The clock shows 7.17
